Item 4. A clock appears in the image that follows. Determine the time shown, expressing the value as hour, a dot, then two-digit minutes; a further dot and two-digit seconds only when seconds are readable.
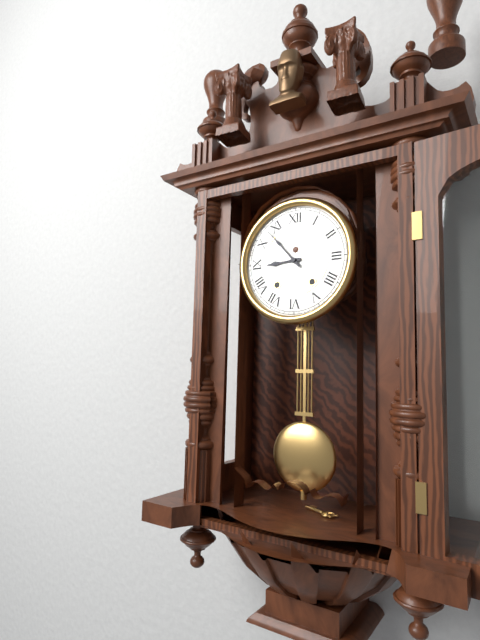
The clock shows 8.53
